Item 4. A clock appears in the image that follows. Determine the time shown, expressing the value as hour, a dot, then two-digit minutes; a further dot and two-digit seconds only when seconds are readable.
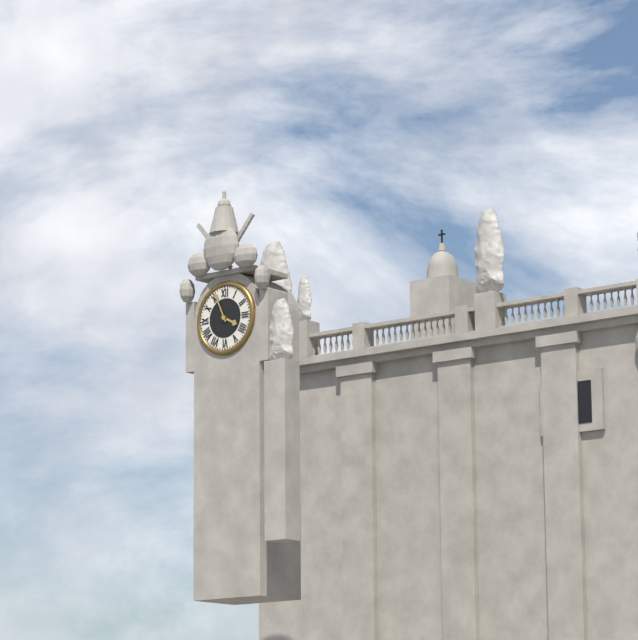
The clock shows 3.56
